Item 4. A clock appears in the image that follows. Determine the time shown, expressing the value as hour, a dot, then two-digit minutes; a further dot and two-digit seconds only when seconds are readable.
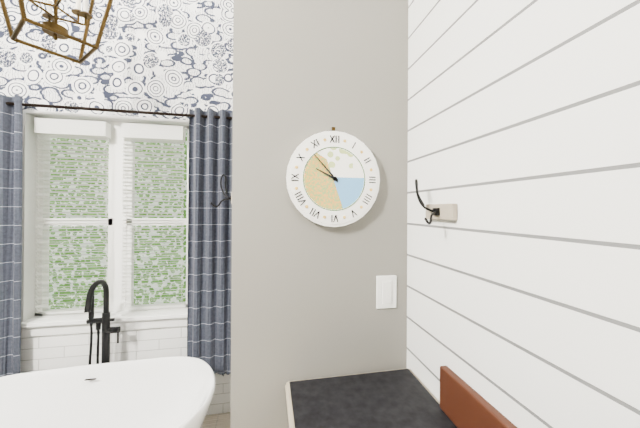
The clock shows 9.53
